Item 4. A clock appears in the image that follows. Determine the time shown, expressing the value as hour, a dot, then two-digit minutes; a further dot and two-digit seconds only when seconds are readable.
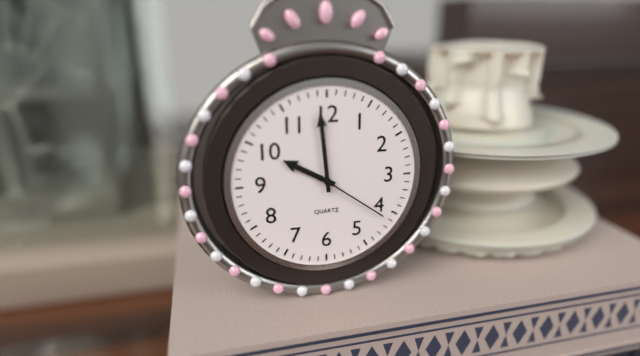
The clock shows 9.59.21
